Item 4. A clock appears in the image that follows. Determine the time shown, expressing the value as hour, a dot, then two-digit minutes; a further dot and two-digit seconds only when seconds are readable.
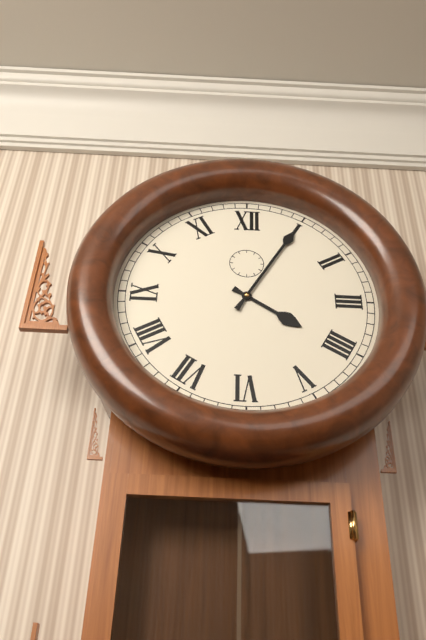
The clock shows 4.05
